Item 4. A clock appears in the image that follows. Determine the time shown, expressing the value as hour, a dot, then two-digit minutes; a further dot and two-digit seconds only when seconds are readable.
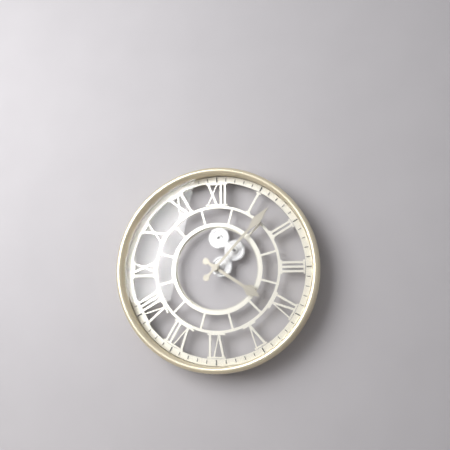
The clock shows 4.07
